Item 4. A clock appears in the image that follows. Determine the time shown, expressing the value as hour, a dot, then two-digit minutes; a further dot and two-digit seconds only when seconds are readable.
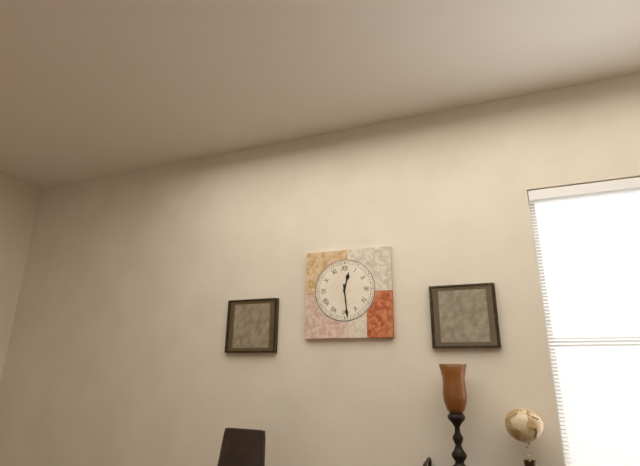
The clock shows 12.29
